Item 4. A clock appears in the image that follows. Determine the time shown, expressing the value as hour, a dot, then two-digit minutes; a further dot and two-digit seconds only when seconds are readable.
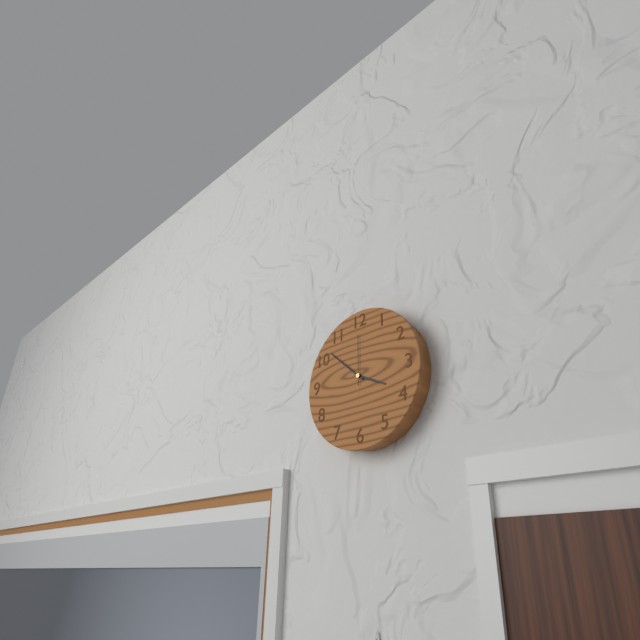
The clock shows 3.52.00
